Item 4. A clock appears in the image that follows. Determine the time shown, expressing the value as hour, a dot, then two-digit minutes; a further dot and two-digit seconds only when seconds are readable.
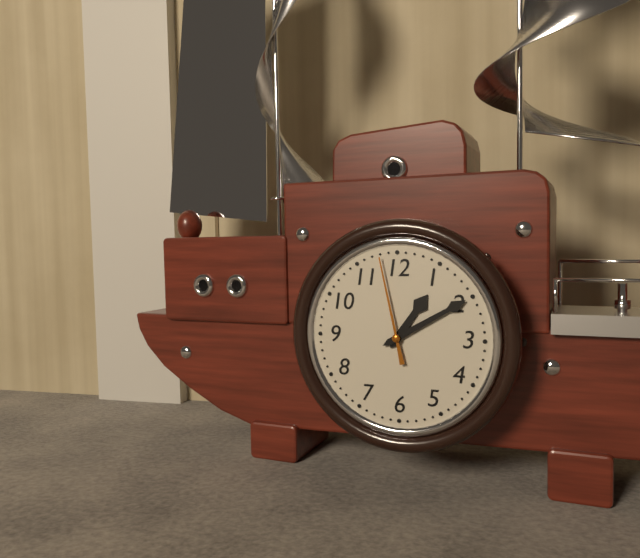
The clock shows 1.10.58
